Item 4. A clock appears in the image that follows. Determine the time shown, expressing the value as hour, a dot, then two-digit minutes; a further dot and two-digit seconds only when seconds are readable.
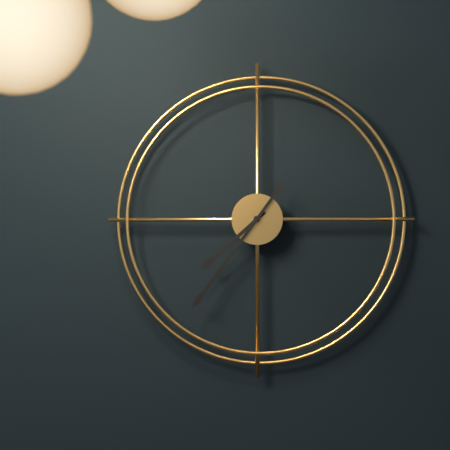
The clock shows 7.36
